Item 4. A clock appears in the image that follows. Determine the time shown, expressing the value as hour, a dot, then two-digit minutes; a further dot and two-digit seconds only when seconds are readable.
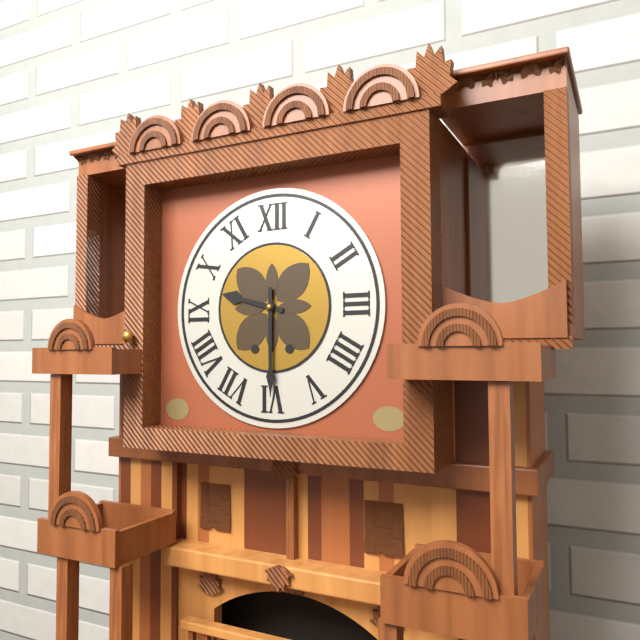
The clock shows 9.30
